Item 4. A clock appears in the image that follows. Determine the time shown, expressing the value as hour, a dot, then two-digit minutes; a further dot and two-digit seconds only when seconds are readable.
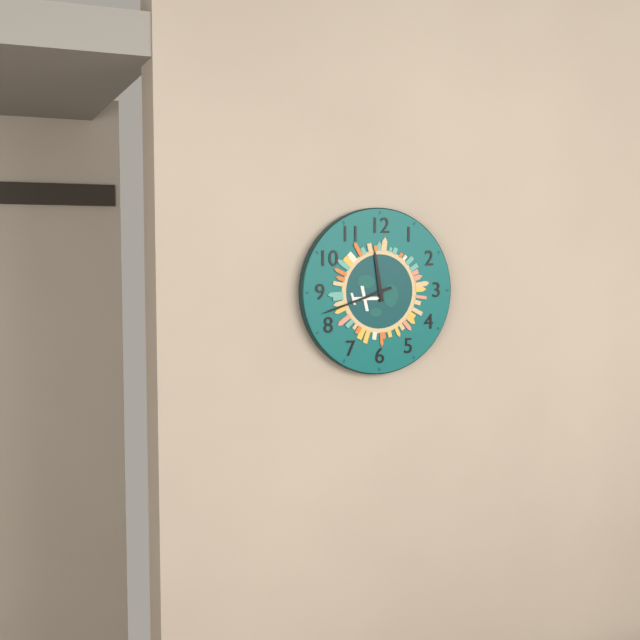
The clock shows 11.42
